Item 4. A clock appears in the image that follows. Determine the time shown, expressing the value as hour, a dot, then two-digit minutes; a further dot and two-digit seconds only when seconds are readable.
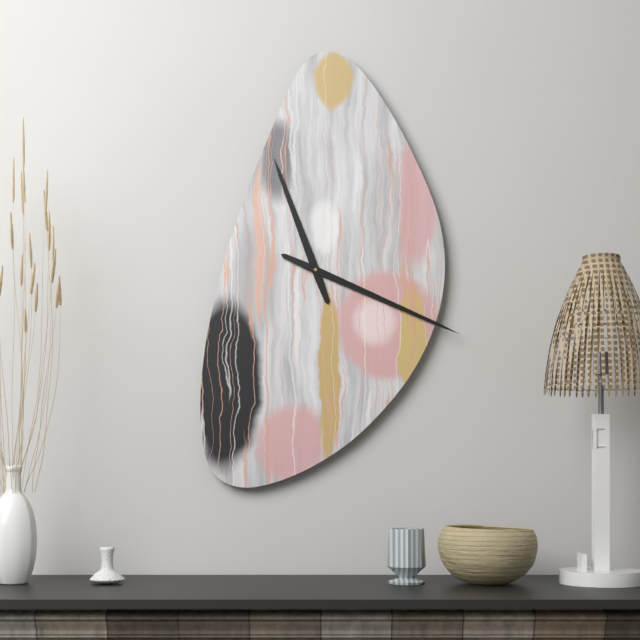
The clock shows 11.19
